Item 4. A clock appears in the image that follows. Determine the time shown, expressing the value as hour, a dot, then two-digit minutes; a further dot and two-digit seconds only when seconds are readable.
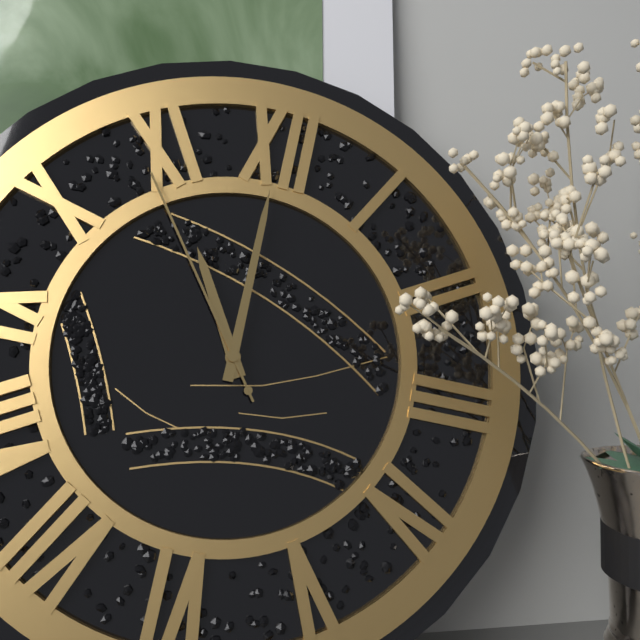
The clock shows 11.00.54
